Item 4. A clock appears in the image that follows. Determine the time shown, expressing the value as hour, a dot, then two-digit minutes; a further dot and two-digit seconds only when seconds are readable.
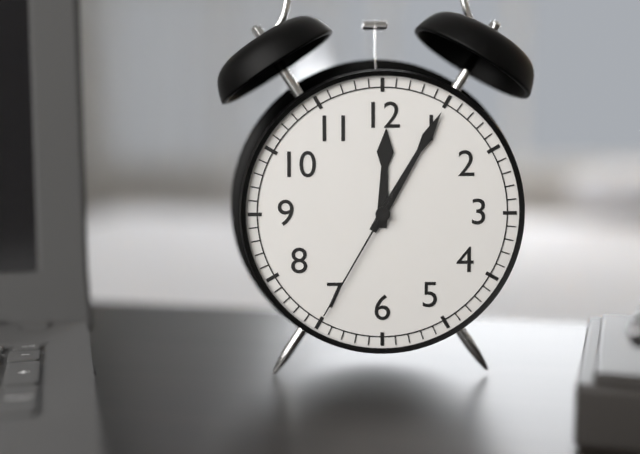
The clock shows 12.05.35
